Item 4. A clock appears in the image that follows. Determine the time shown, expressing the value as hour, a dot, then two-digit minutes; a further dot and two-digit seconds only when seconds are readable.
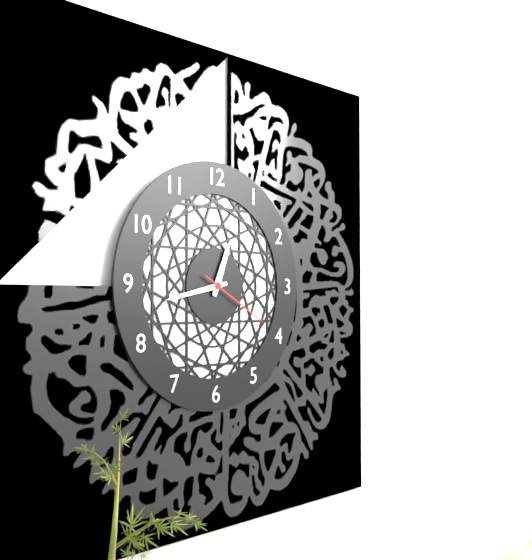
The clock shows 12.43.20
